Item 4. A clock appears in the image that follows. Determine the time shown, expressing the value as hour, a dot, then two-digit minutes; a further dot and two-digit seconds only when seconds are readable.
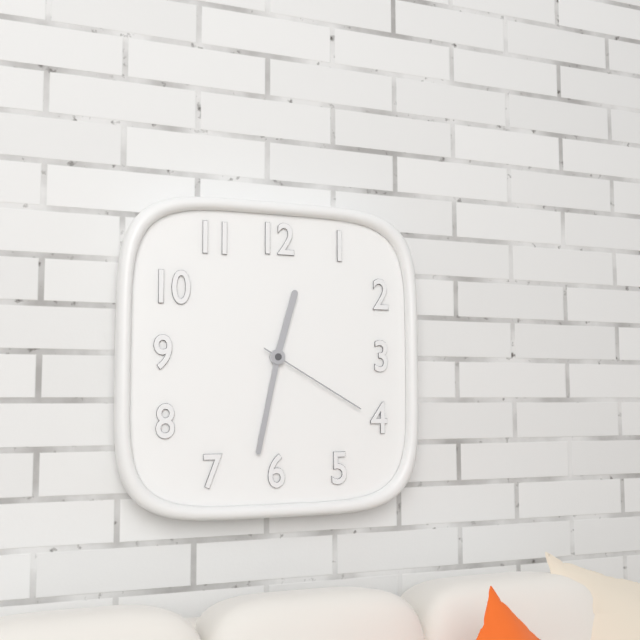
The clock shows 12.32.20
